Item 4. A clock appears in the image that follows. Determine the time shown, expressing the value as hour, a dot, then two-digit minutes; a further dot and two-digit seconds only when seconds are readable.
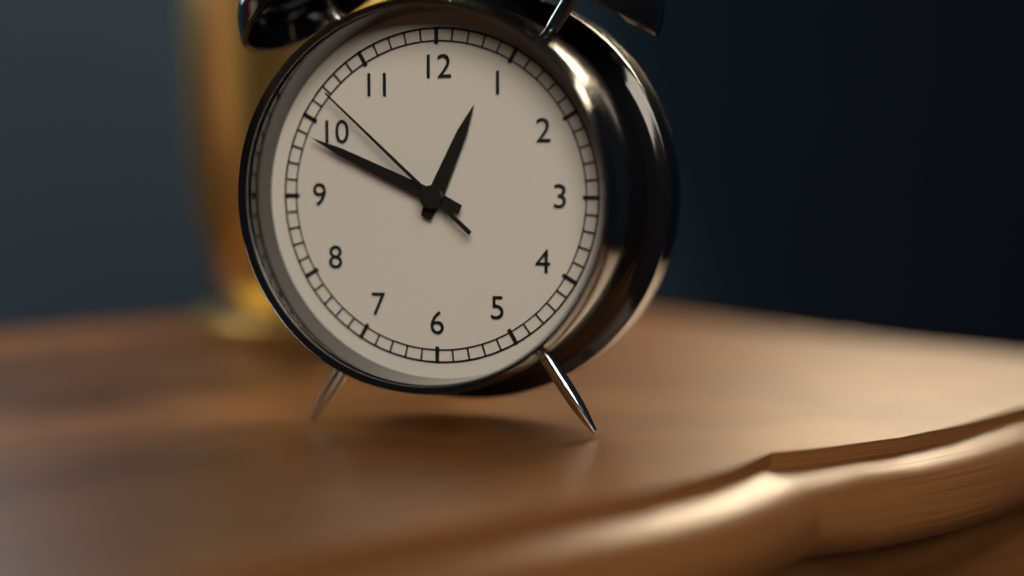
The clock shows 12.49.52
